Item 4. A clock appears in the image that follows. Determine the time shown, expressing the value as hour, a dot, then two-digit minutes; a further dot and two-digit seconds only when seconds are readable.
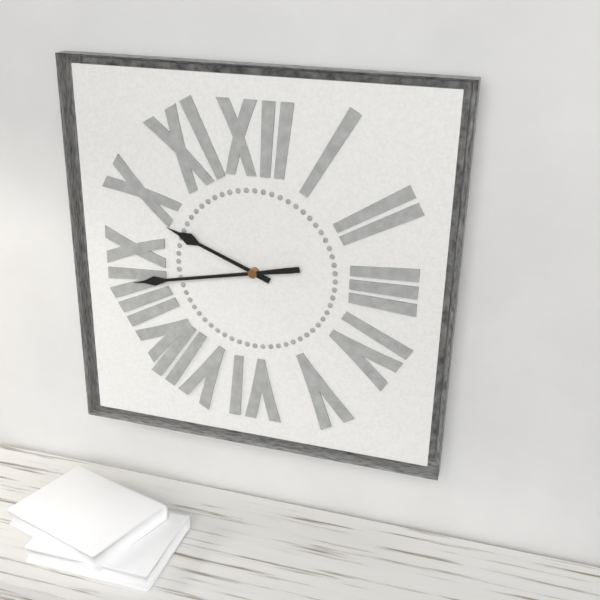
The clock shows 9.43
